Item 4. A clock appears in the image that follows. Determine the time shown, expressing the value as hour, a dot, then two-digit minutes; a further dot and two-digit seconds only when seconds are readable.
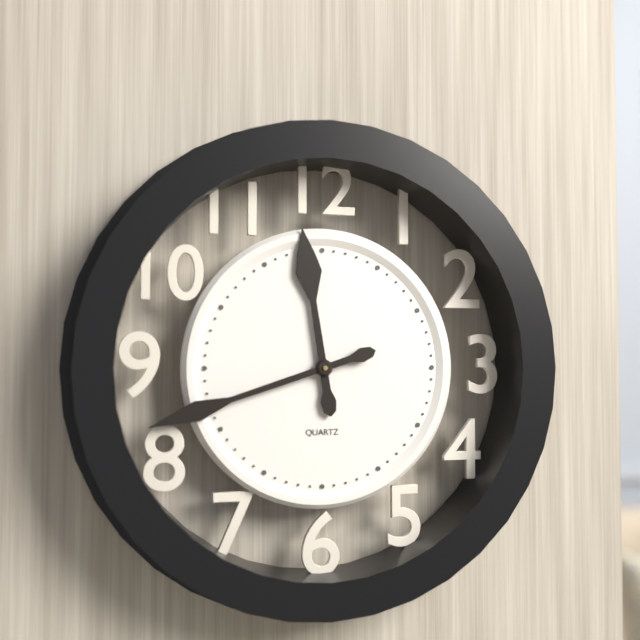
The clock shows 11.42
